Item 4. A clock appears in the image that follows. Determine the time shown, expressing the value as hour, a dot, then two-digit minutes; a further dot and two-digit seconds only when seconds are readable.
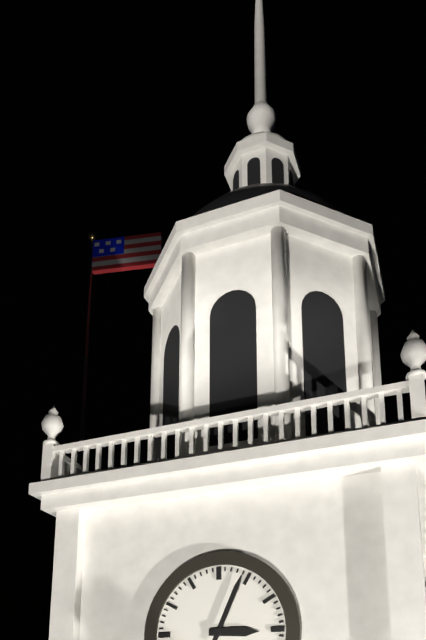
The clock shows 3.04
